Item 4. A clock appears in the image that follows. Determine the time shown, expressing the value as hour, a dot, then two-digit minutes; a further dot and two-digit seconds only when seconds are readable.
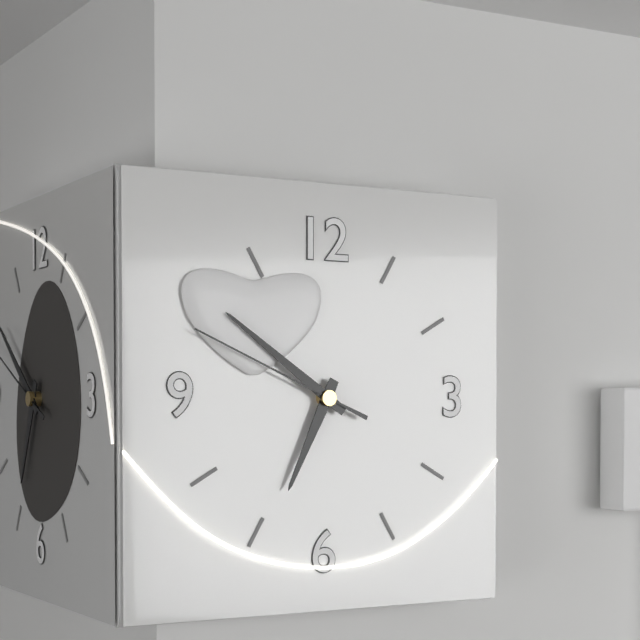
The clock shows 6.51.49
